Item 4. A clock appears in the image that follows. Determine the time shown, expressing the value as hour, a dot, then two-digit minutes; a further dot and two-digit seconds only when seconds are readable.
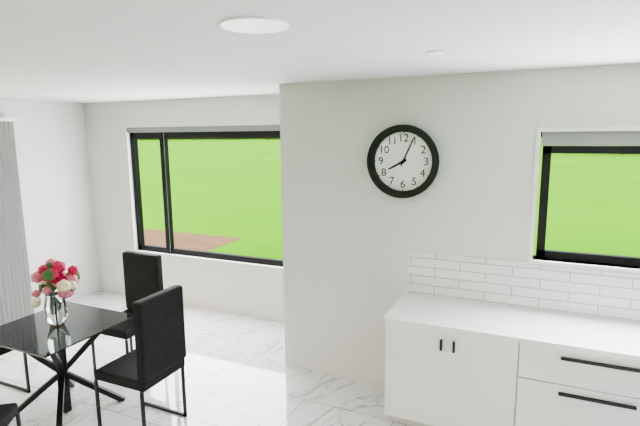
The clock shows 8.04
